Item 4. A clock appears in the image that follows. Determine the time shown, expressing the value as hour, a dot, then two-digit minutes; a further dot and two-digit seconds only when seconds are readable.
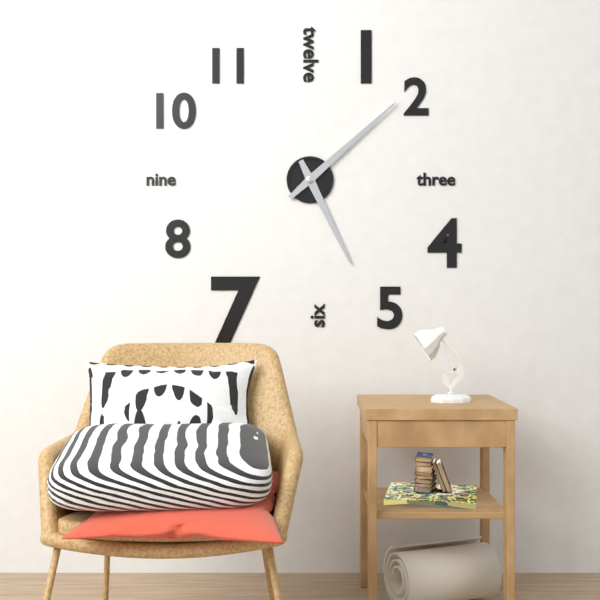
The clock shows 5.08
